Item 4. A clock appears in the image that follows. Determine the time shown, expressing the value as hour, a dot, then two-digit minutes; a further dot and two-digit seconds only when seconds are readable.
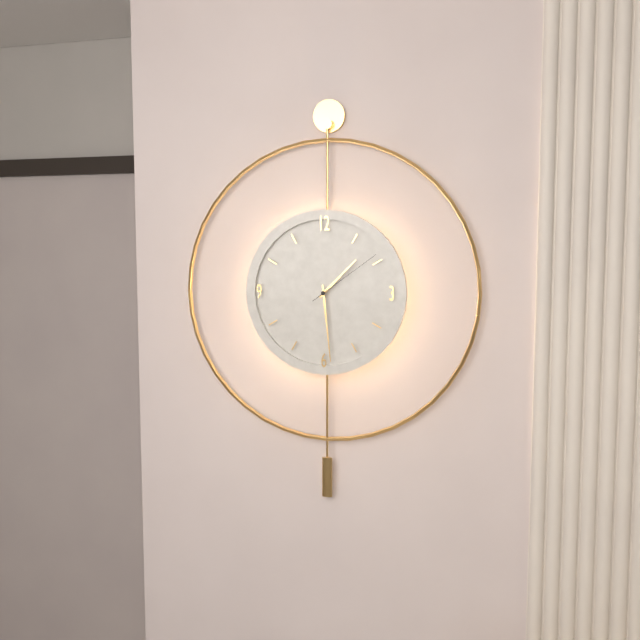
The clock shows 1.29.09
